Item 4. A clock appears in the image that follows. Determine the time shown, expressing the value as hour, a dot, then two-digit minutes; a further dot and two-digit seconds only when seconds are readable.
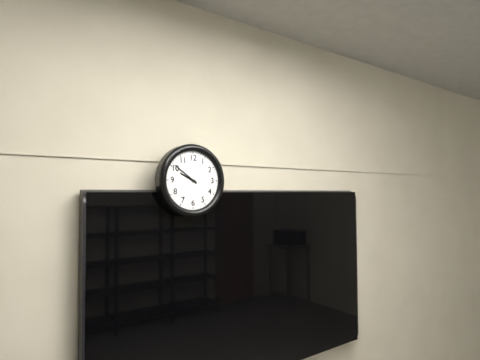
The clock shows 9.51
